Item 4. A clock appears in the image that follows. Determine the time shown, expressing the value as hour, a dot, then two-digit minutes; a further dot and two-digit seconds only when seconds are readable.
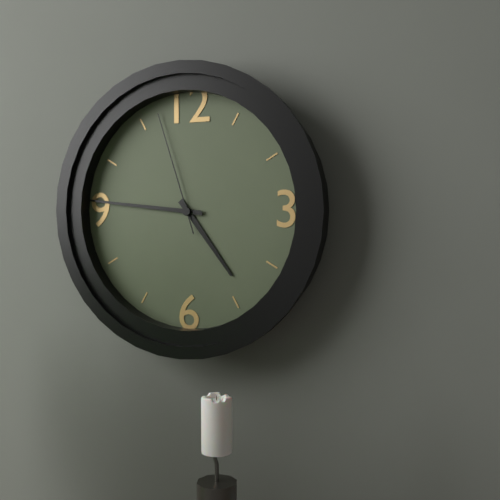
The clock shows 4.46.57
